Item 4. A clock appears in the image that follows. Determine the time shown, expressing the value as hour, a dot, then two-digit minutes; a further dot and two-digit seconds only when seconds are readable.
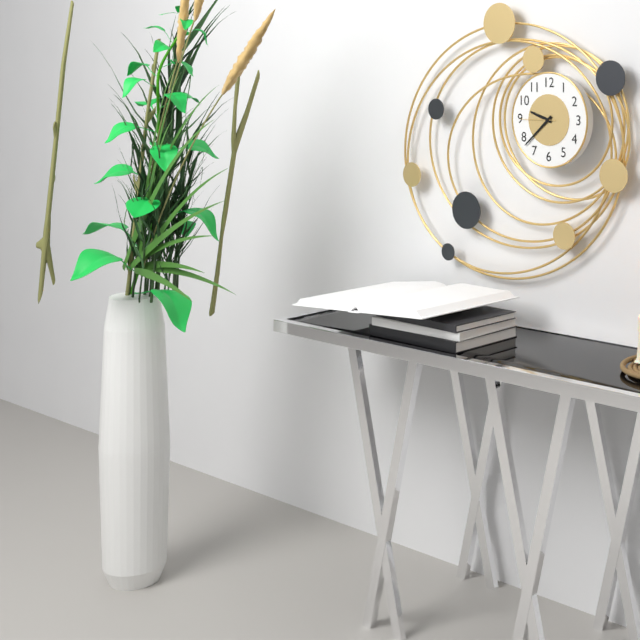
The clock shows 9.38
